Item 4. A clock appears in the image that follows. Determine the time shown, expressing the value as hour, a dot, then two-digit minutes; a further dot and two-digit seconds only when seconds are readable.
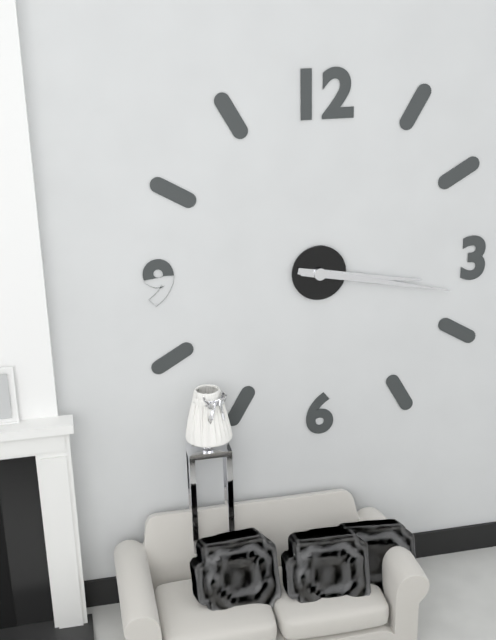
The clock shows 3.17
